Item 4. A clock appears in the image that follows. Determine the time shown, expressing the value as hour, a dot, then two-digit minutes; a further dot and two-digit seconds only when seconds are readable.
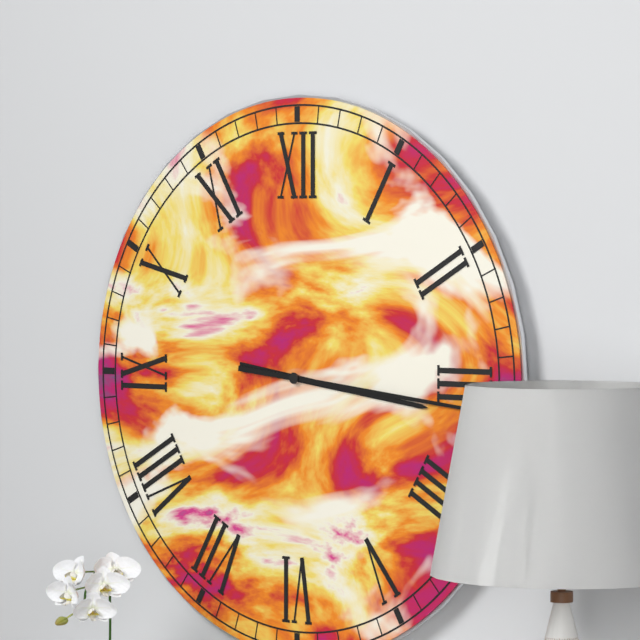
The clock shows 3.16
